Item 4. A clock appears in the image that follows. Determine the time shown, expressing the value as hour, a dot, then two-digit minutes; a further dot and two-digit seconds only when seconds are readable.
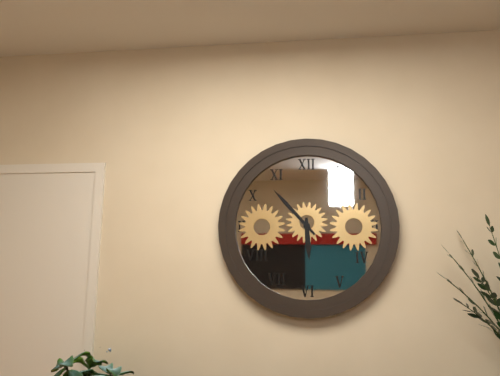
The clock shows 5.53
